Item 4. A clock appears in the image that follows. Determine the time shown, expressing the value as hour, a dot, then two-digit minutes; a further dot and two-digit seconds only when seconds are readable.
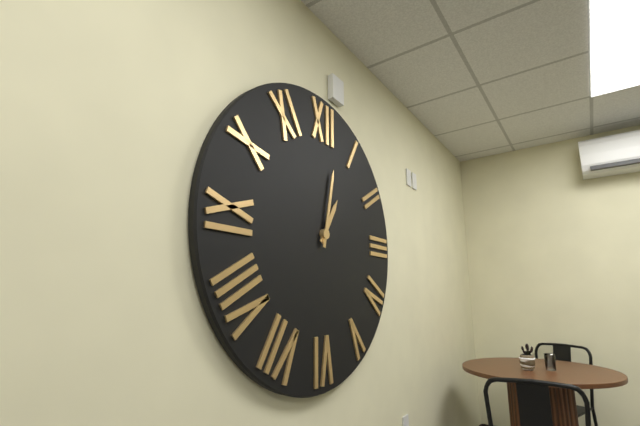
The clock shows 1.02
